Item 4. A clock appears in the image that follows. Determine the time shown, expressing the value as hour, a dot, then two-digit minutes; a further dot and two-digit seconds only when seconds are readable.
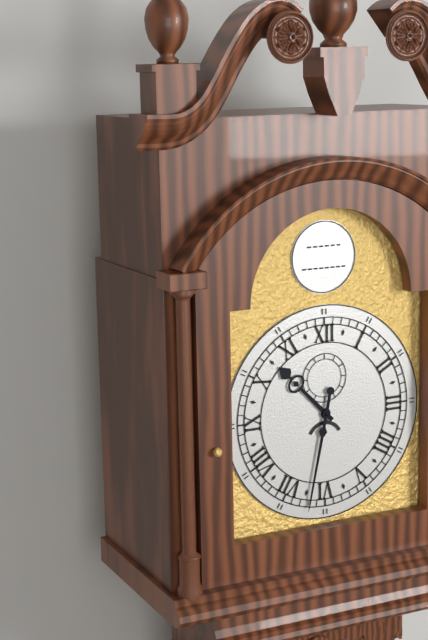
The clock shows 10.32
